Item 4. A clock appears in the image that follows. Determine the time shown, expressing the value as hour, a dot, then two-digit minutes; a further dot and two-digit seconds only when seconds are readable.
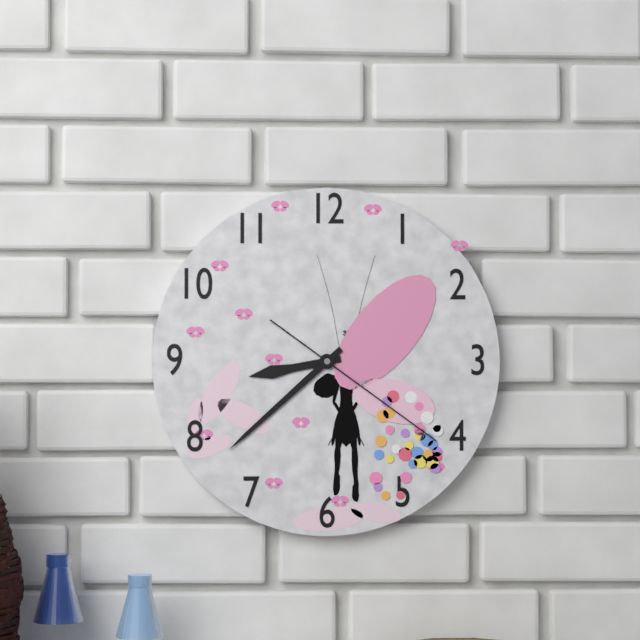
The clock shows 8.38.21
